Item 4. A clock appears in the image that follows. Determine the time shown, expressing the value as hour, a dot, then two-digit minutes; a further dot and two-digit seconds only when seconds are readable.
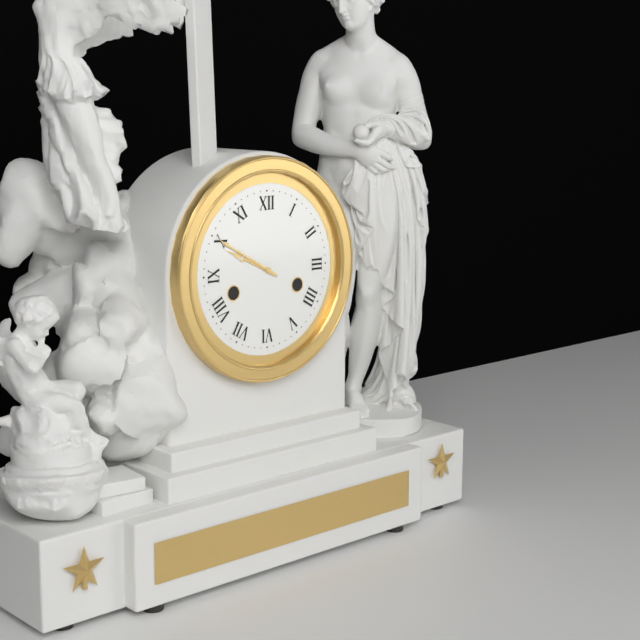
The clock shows 9.50
